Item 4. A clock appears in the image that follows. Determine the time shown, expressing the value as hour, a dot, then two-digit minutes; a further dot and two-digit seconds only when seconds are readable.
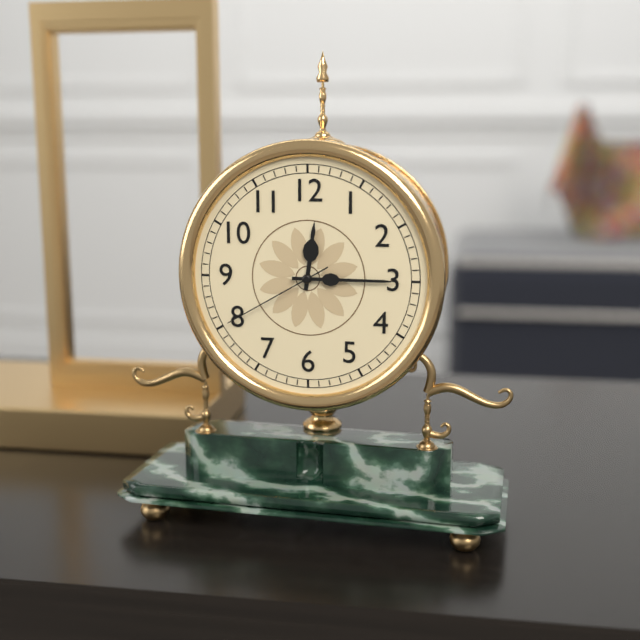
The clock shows 12.15.40
